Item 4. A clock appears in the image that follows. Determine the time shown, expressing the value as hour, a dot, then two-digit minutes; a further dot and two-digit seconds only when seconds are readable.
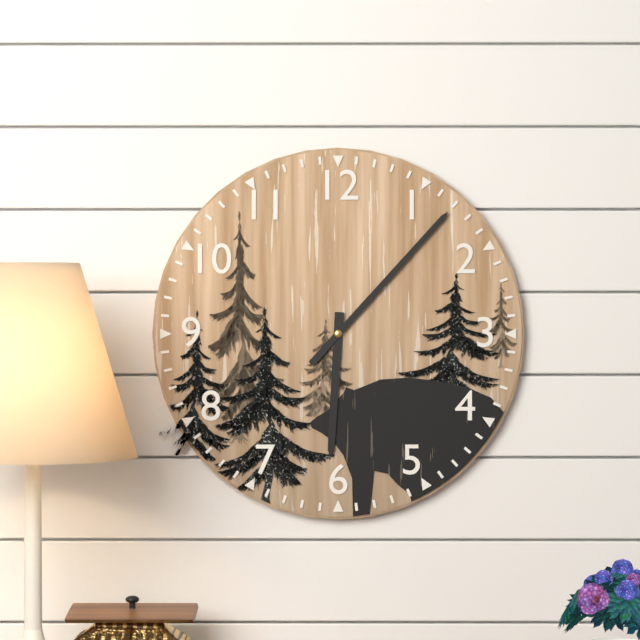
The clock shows 6.07
